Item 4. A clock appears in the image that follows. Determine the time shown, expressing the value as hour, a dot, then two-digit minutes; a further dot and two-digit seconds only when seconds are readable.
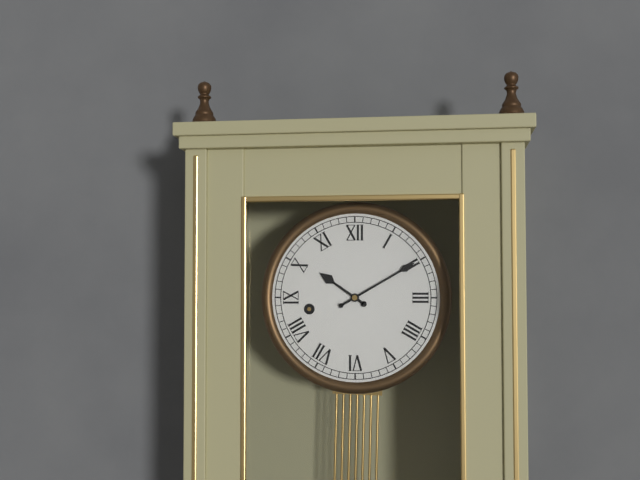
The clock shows 10.10
